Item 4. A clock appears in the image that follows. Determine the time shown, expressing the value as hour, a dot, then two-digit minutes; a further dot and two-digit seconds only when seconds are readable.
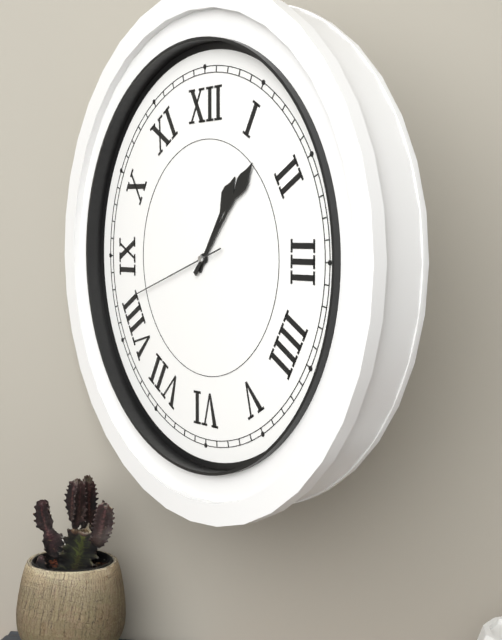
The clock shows 1.07.42
